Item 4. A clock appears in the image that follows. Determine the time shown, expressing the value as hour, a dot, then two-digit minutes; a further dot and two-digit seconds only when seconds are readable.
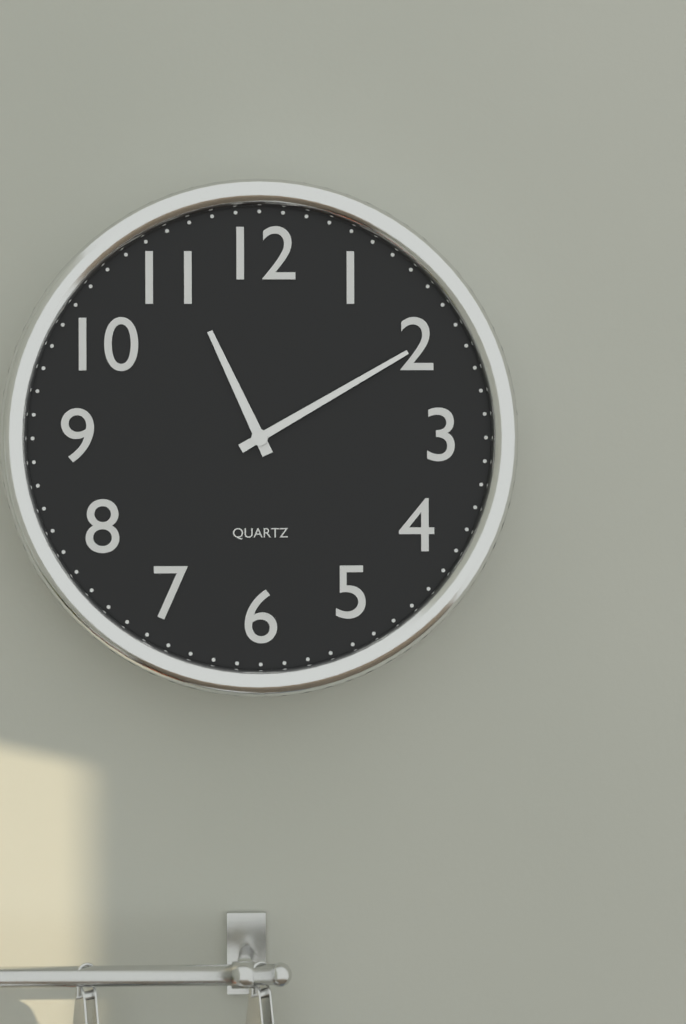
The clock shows 11.10
